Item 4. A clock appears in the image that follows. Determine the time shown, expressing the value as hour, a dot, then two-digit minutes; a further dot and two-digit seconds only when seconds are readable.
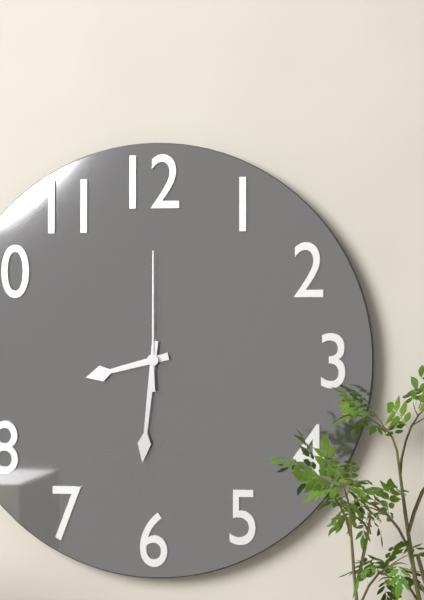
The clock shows 8.31.00
